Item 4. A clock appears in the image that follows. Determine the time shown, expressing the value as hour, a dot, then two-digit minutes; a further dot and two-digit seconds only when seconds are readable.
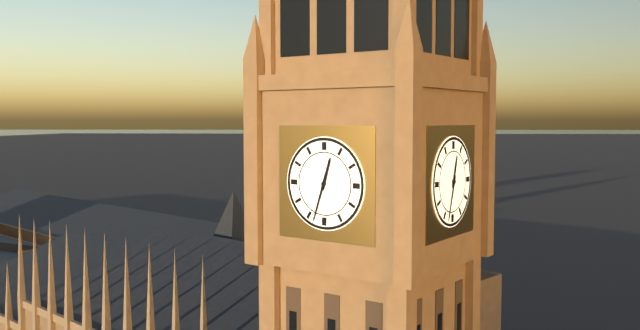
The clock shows 12.33
